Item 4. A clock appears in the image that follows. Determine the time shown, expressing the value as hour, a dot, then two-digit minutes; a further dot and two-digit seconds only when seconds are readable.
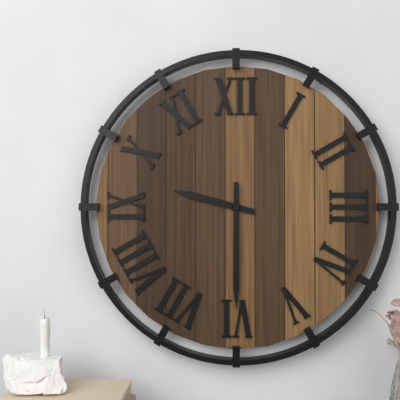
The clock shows 9.30
